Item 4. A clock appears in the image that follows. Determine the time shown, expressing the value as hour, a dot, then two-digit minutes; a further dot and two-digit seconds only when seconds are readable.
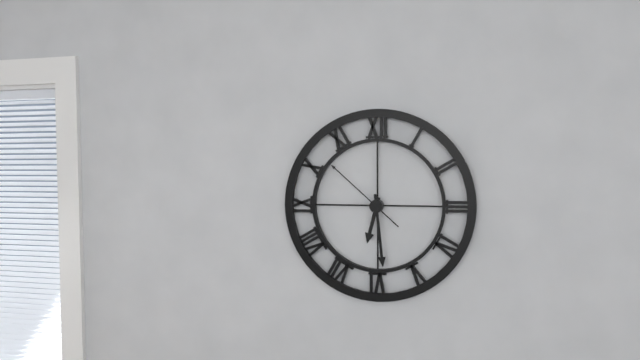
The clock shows 6.29.52
